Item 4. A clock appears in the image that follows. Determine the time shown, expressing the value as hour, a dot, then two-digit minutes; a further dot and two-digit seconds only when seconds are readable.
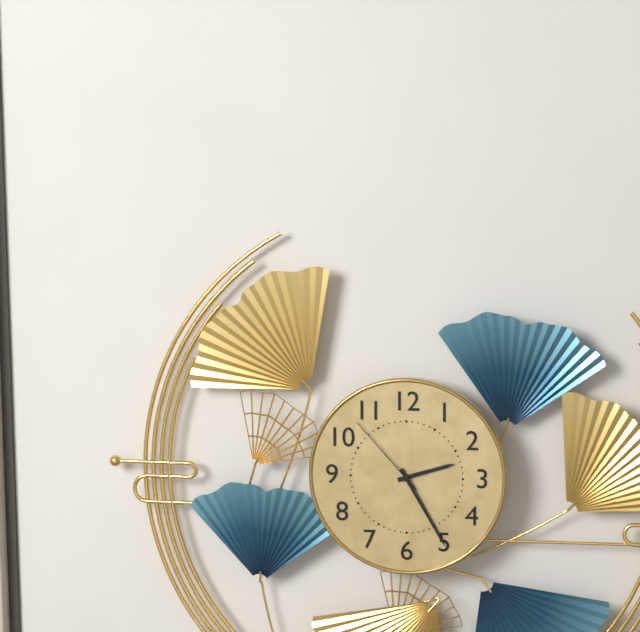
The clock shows 2.25.53
